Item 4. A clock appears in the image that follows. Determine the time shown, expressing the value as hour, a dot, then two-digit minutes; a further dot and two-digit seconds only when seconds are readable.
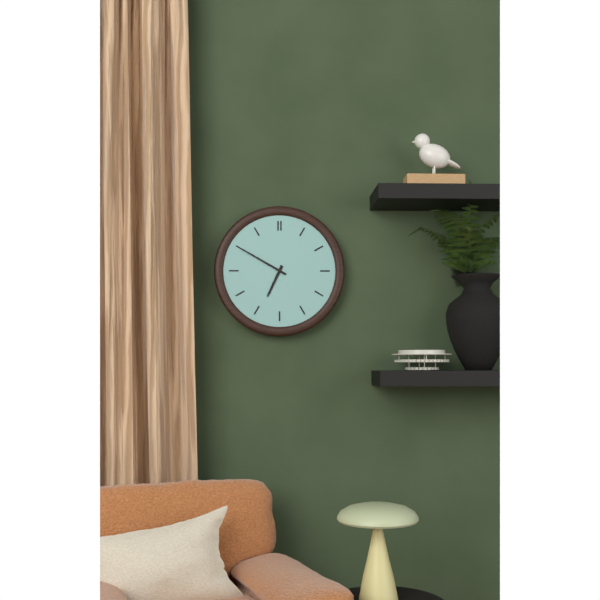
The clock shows 6.50
